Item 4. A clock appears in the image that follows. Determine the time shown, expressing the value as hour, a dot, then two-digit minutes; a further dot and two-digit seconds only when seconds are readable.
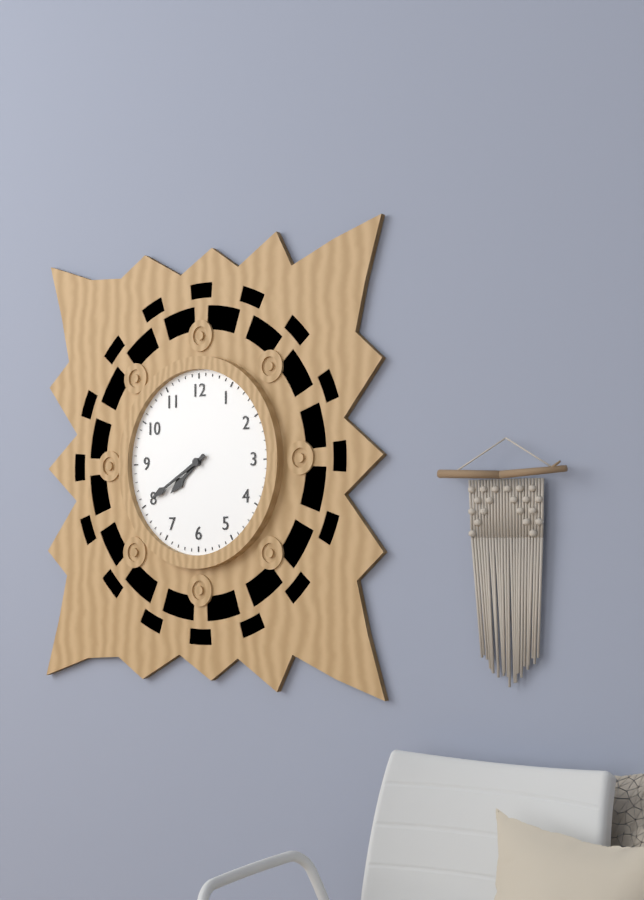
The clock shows 7.40
